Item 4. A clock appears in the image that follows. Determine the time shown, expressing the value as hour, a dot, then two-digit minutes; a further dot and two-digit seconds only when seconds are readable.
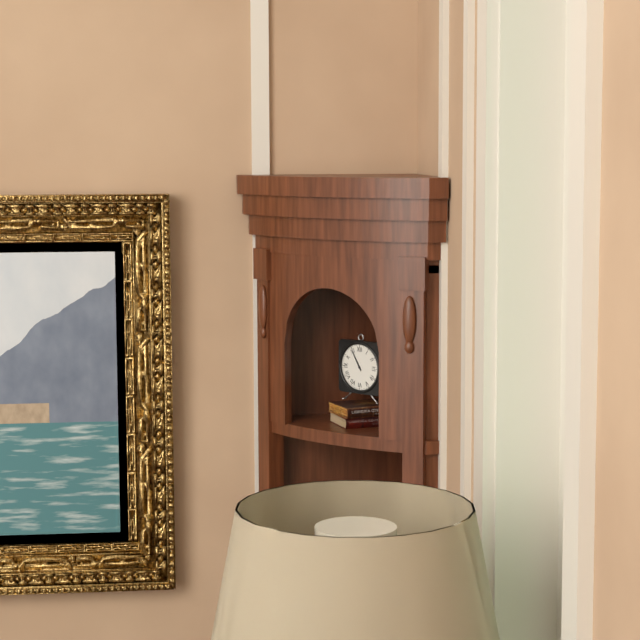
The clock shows 10.55
